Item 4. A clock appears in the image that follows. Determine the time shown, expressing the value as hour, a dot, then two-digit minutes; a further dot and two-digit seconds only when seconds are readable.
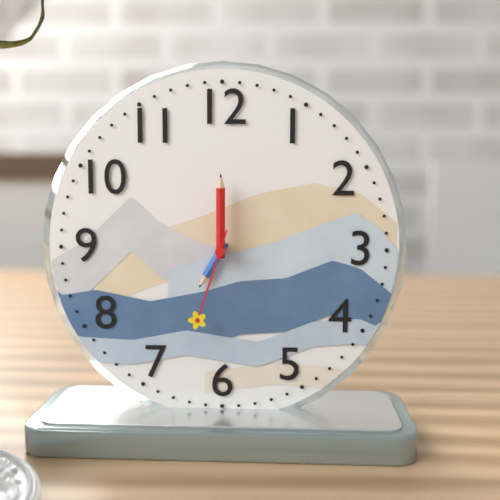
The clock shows 7.00.33
